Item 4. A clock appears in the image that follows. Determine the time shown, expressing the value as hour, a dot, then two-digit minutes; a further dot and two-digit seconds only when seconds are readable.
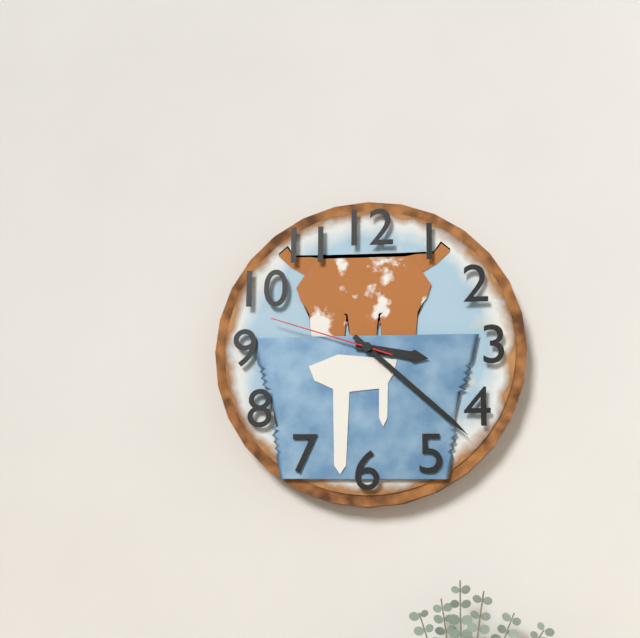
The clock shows 3.22.48
